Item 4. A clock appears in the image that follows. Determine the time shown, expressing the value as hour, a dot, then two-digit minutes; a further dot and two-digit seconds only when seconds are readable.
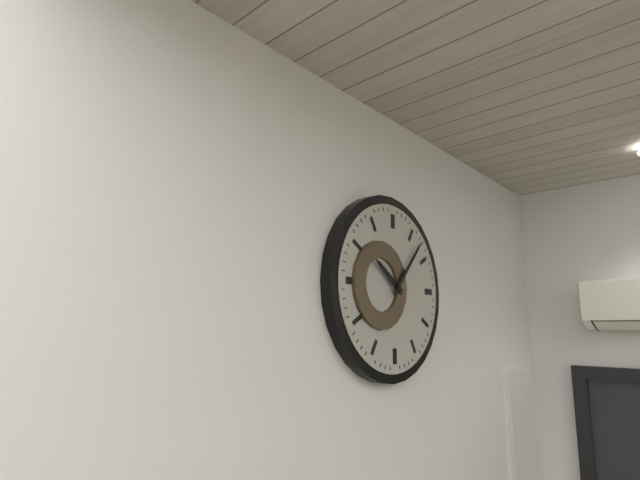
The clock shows 10.07
